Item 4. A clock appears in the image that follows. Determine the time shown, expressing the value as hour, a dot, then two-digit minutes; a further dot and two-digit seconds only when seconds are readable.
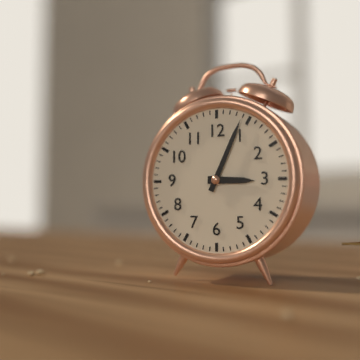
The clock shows 3.04
